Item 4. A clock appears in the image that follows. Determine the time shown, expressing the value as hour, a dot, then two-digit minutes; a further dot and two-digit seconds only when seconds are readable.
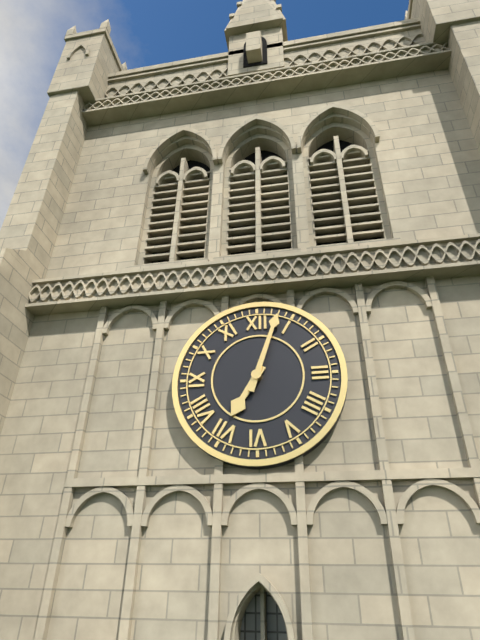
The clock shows 7.03
